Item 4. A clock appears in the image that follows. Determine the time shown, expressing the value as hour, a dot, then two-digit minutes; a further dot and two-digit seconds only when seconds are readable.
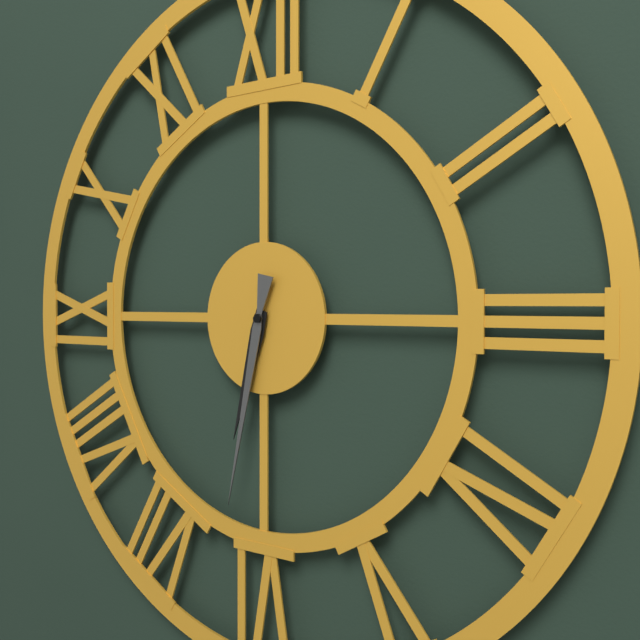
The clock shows 6.32
